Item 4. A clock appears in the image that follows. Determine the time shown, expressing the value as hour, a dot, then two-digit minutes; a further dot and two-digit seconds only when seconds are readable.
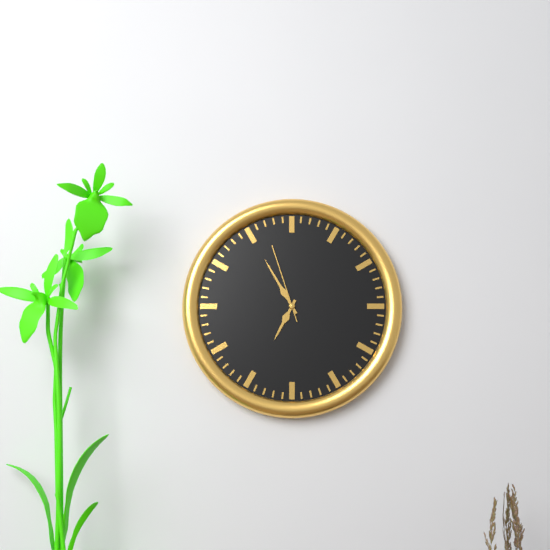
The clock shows 6.55.57
